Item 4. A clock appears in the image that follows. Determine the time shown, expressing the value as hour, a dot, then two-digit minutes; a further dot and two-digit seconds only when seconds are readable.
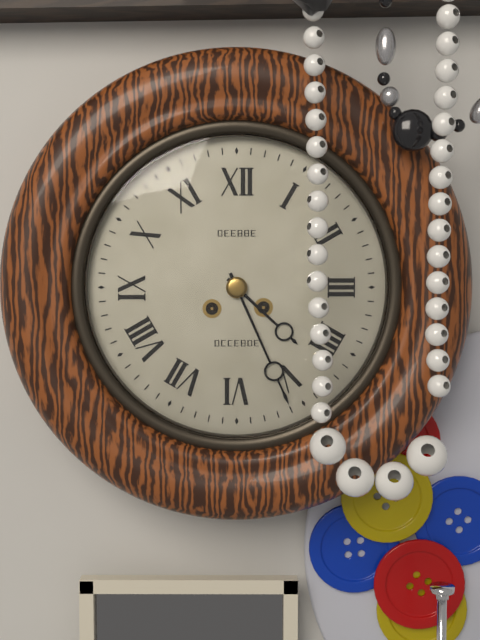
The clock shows 4.26
